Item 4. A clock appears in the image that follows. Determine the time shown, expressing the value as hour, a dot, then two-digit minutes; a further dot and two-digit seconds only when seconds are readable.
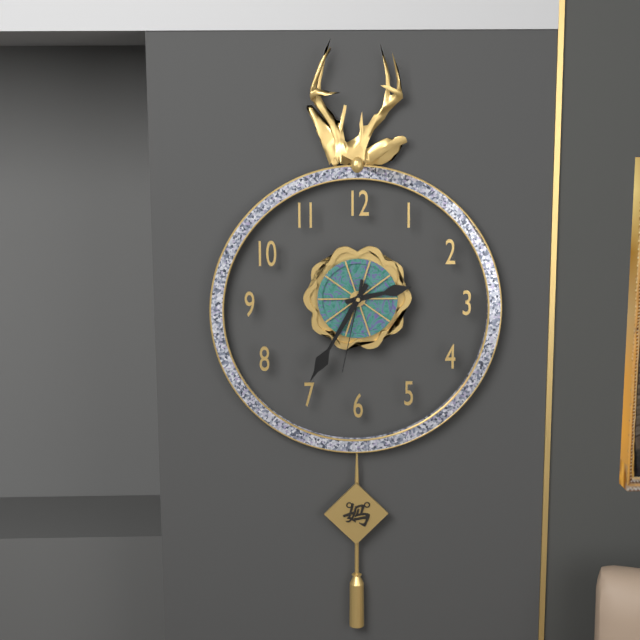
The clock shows 2.35.32
